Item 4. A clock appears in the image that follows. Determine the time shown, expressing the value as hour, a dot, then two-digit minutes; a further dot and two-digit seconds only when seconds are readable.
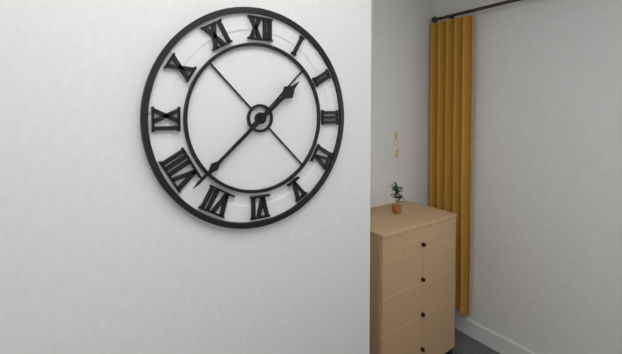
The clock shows 1.38
